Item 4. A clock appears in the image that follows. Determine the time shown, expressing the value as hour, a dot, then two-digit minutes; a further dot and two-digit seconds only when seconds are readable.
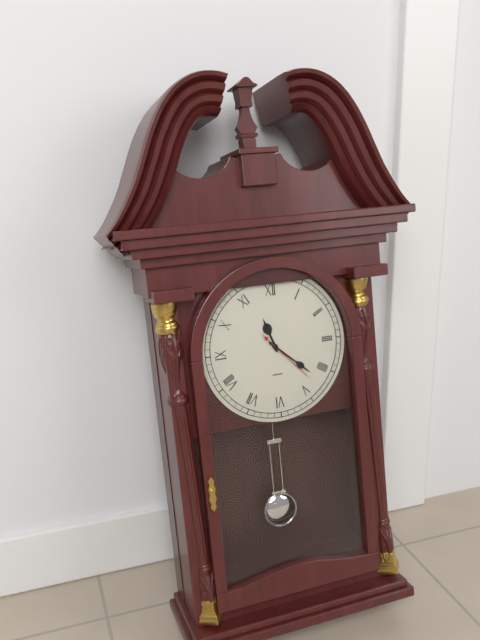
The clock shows 11.22.23
